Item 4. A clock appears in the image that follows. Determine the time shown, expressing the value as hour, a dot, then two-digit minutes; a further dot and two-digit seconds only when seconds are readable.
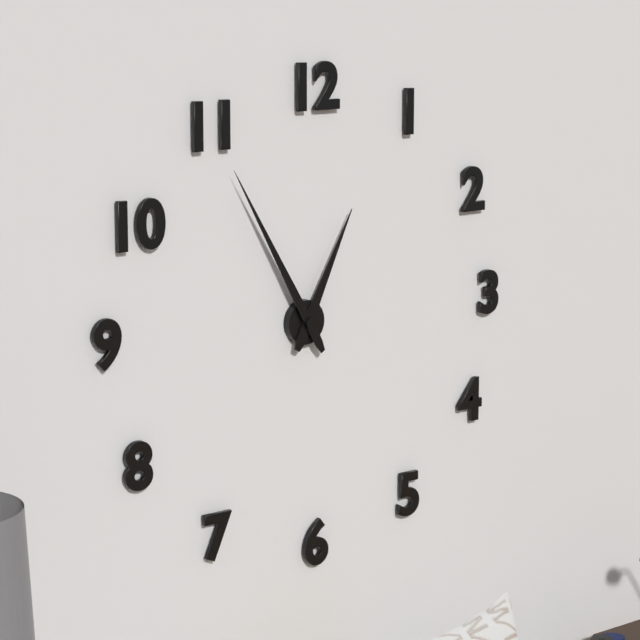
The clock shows 12.55
